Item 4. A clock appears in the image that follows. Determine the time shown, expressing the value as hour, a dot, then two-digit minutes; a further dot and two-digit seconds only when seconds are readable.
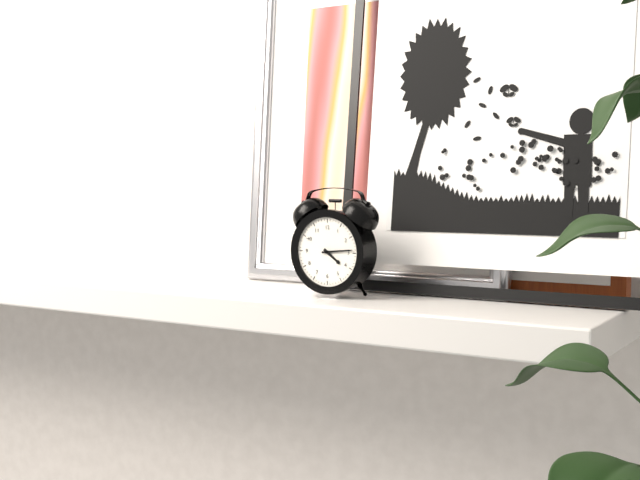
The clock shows 4.14
